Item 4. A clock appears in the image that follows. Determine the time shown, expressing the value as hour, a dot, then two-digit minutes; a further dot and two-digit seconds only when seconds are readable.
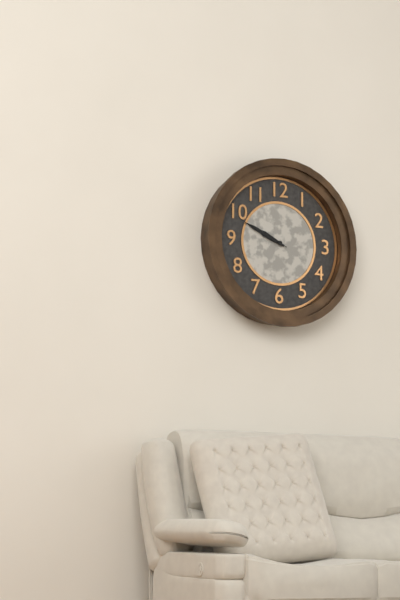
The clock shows 9.49.49
